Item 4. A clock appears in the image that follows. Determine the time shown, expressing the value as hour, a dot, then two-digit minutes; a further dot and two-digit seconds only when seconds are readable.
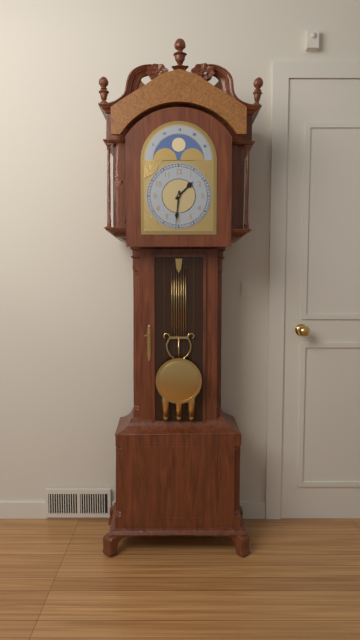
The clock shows 1.31
